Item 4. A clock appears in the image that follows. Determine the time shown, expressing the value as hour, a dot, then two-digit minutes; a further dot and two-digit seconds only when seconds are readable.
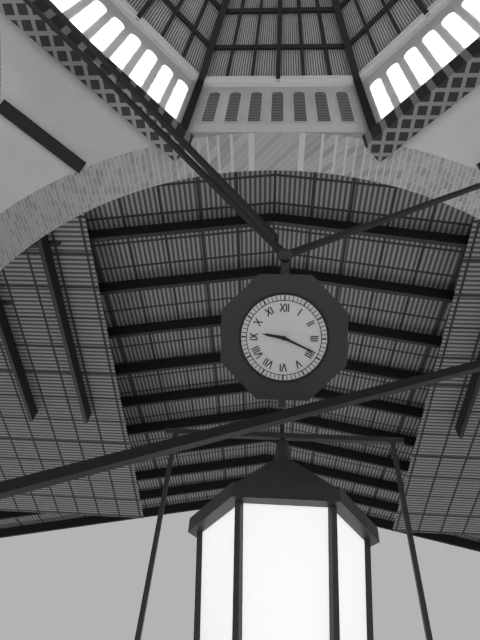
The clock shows 9.19
